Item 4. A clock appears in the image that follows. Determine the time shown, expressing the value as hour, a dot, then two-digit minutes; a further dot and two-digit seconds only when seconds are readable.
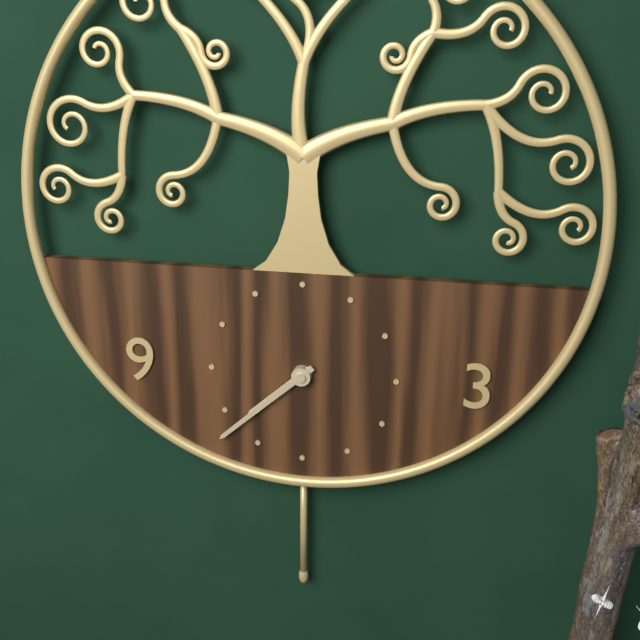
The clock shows 7.38
